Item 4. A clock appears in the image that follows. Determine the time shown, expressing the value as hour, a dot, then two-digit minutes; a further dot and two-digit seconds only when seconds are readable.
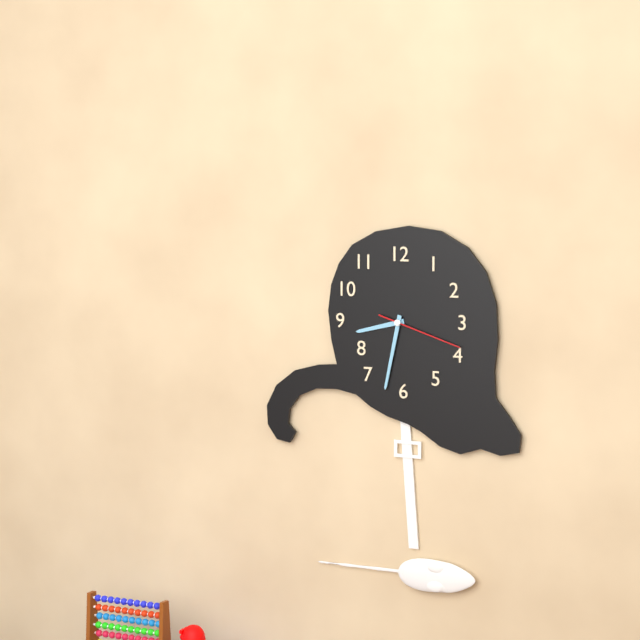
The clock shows 8.32.18
